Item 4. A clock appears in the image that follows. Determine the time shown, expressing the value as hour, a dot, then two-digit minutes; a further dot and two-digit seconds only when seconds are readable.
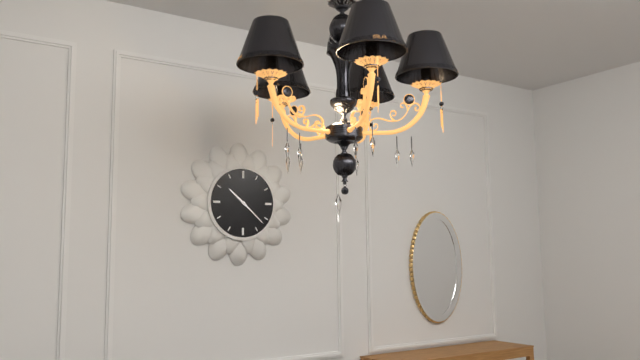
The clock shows 10.22
